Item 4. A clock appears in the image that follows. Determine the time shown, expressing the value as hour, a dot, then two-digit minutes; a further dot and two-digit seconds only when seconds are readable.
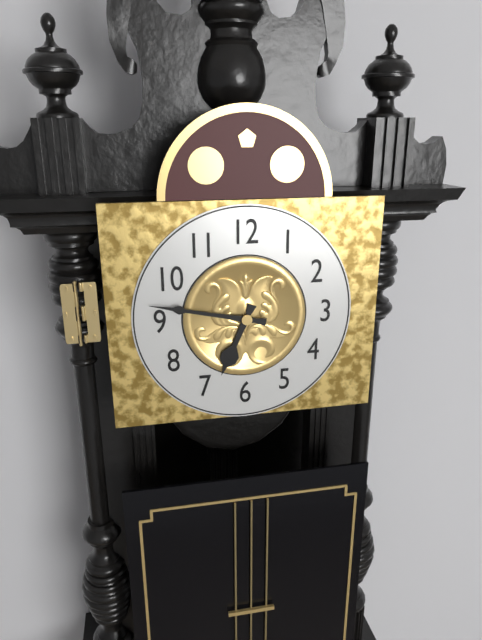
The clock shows 6.47
